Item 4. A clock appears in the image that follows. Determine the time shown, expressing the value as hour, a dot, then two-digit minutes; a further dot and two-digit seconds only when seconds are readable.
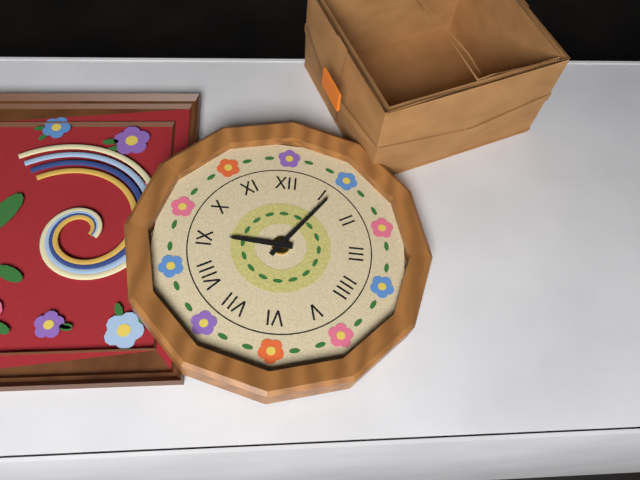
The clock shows 9.06
